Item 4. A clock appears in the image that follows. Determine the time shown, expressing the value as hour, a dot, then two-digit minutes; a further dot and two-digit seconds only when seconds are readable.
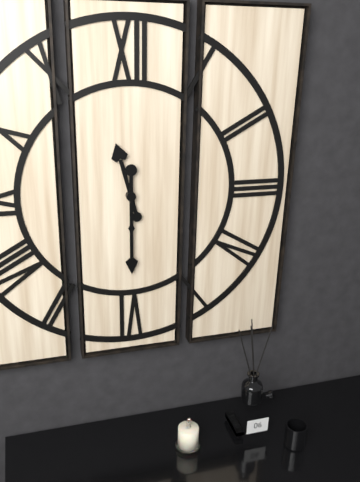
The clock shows 11.30
